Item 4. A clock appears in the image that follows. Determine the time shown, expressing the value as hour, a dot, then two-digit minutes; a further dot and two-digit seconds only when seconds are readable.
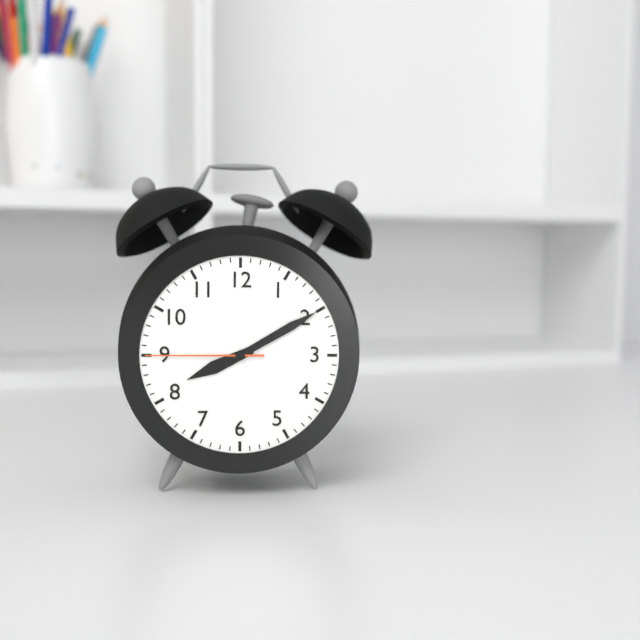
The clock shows 8.10.45
